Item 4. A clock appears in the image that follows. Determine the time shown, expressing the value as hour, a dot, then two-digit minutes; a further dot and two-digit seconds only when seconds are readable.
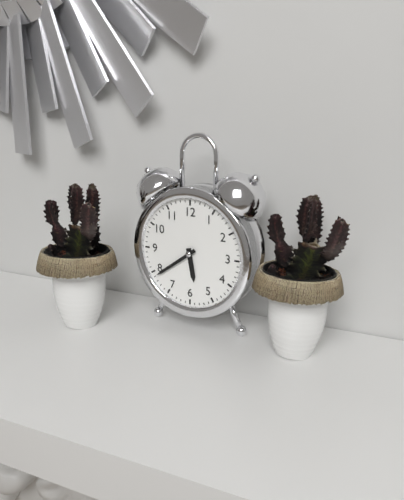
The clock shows 5.39
